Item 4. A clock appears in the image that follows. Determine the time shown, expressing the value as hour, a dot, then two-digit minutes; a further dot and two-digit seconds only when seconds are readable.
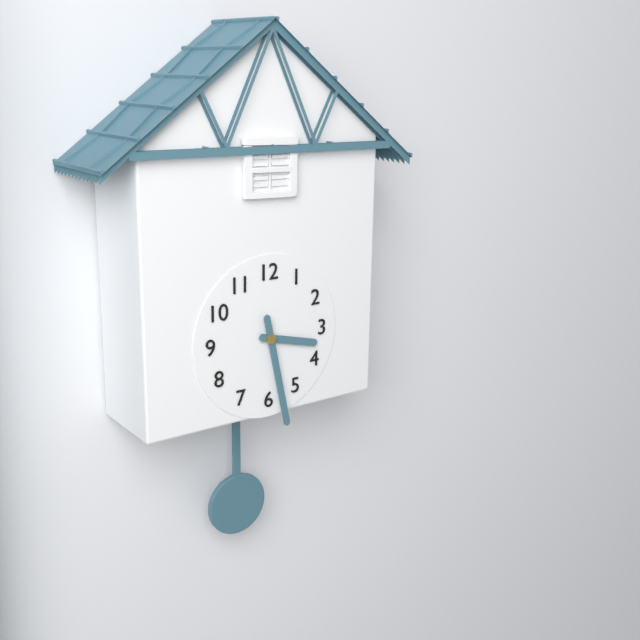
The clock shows 3.28
